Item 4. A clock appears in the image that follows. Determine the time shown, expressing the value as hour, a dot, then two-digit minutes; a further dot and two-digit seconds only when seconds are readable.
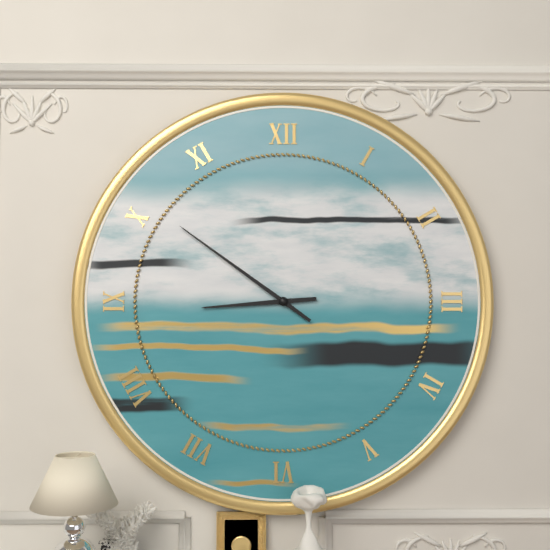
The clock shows 8.51
